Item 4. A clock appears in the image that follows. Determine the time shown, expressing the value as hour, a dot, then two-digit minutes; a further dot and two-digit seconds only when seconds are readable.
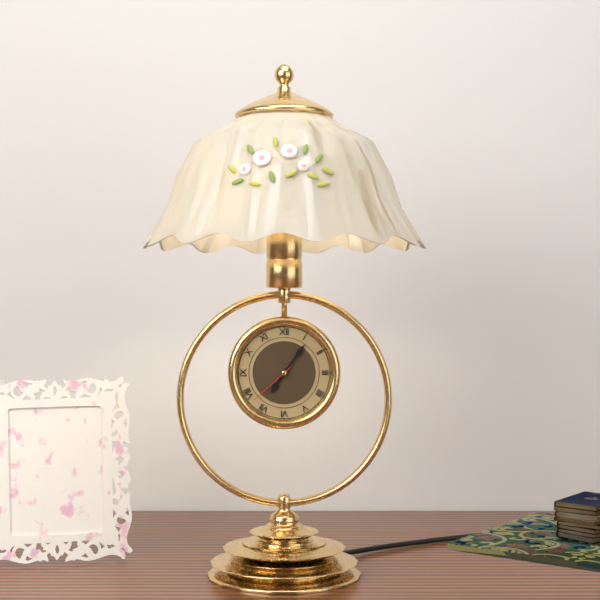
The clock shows 7.06.38
